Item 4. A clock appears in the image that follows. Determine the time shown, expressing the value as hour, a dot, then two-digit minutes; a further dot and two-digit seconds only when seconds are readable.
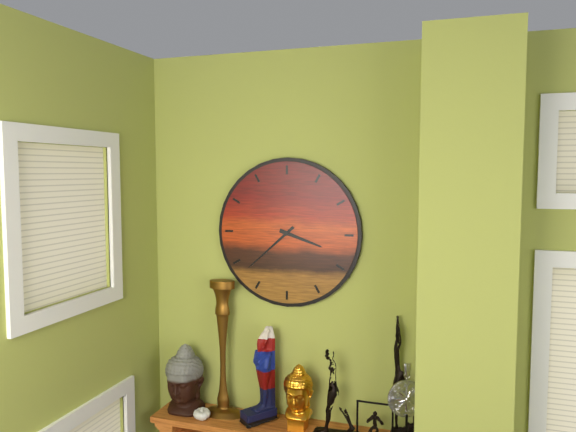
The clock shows 3.38
